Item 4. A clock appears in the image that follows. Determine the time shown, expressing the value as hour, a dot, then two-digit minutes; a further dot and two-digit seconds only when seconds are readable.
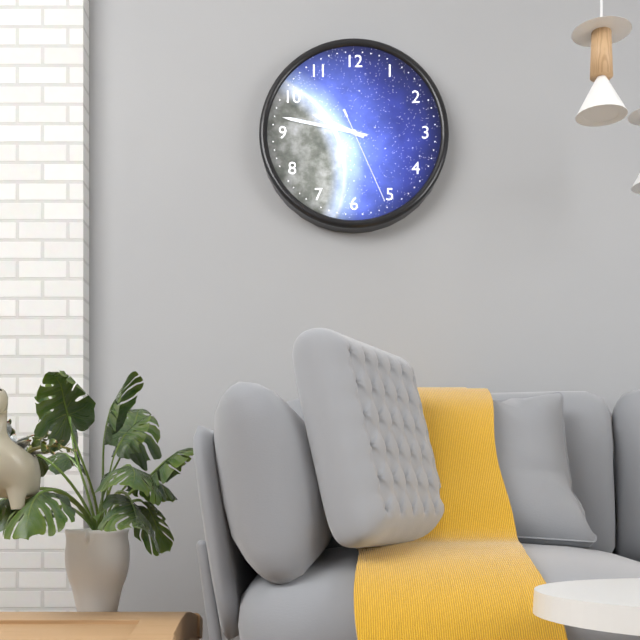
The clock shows 9.47.26
